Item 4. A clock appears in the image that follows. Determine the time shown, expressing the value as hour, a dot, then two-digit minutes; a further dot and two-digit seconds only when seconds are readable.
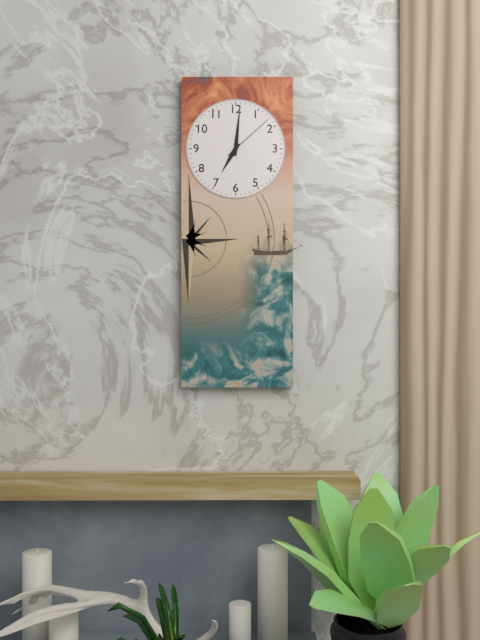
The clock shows 7.01.08
